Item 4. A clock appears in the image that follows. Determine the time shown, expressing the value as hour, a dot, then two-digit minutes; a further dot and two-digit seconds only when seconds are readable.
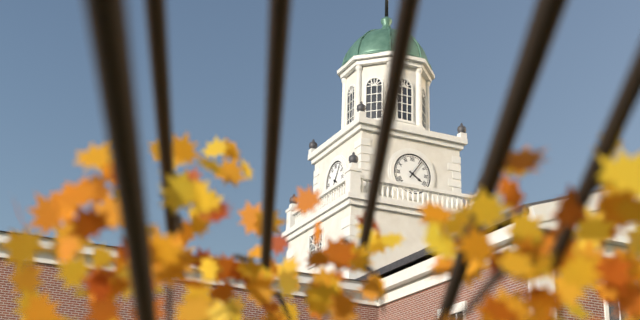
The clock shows 4.06
